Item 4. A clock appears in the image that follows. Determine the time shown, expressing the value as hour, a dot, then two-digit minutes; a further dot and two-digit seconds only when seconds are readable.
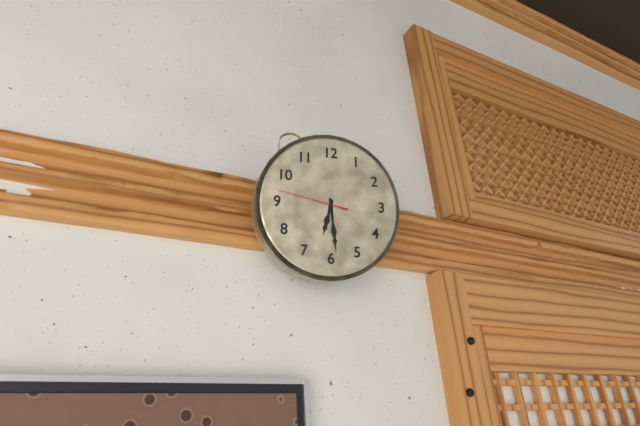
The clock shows 6.29.47
